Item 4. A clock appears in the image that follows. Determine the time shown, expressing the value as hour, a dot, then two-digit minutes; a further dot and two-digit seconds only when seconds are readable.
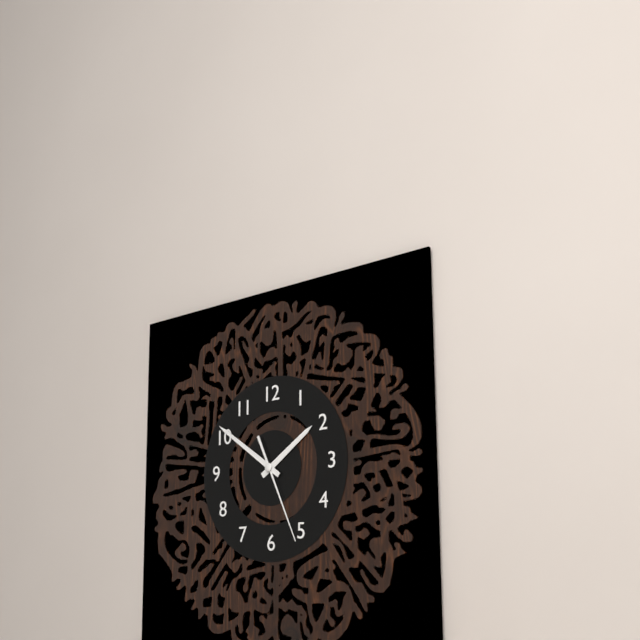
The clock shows 1.51.26
